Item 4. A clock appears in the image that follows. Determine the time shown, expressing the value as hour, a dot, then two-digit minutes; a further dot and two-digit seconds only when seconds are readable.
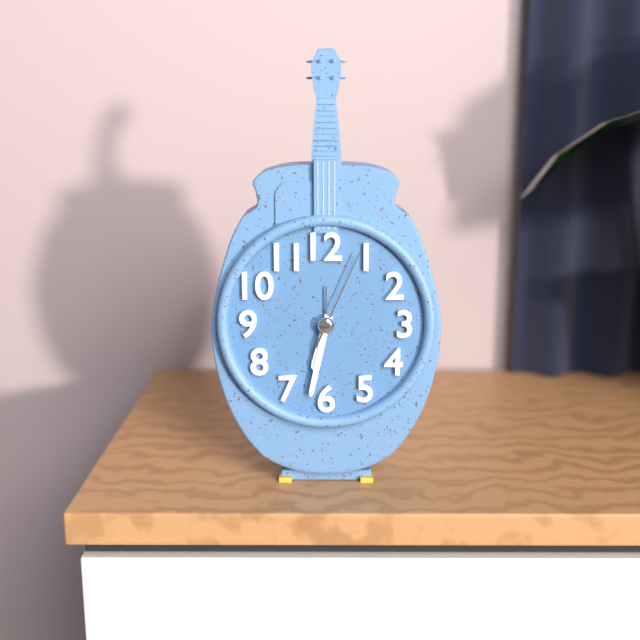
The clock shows 6.32.04
